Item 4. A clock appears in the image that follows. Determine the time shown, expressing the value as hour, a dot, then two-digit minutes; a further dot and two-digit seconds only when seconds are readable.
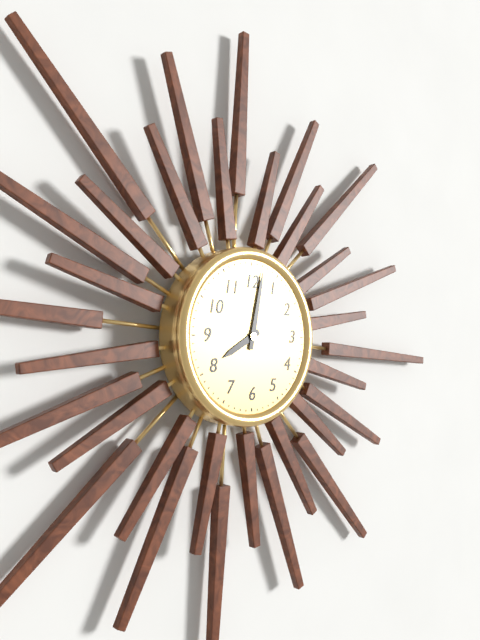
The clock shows 8.02
